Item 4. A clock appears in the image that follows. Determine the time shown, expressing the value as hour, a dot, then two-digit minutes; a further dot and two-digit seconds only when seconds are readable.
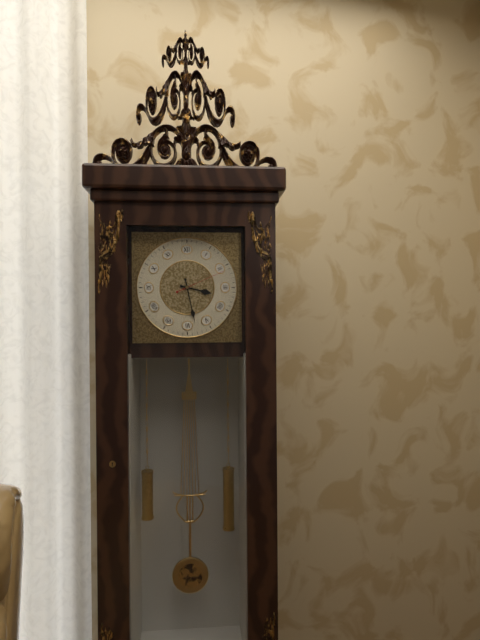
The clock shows 3.28
